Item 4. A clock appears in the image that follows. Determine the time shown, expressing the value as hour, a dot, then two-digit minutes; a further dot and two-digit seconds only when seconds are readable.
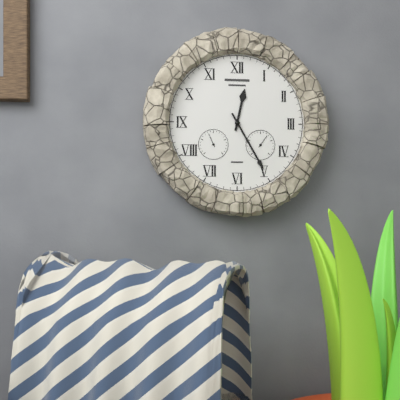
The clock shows 12.25
